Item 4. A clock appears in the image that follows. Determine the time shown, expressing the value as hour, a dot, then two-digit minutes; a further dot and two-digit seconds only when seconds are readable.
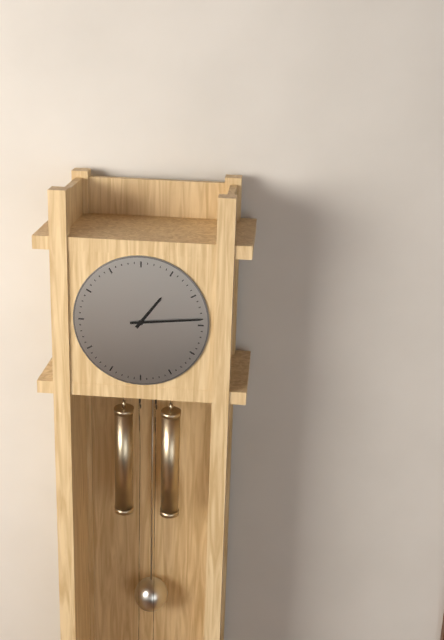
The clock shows 1.14
